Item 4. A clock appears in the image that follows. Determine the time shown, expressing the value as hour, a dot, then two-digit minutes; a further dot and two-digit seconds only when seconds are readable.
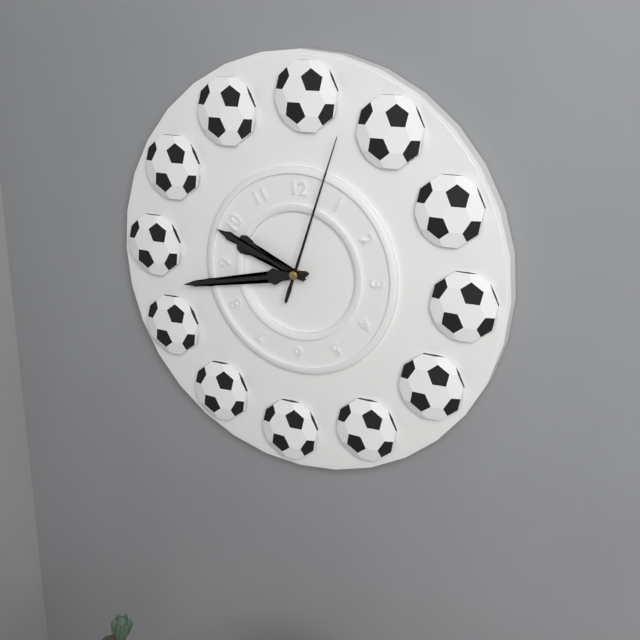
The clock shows 9.43.03
